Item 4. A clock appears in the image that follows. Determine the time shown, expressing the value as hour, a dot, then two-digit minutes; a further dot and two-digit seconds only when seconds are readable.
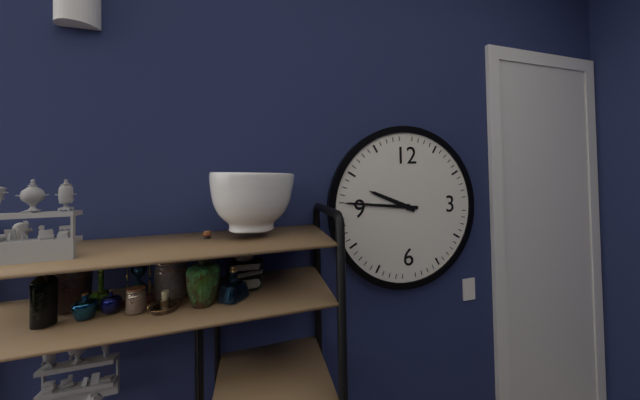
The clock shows 9.46
